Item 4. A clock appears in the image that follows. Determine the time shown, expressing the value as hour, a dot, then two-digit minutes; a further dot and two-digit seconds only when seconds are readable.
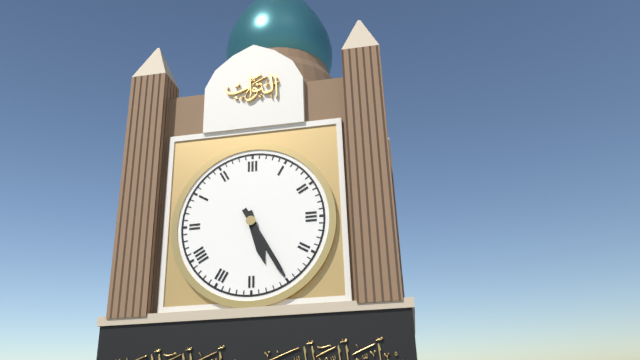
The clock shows 5.25
